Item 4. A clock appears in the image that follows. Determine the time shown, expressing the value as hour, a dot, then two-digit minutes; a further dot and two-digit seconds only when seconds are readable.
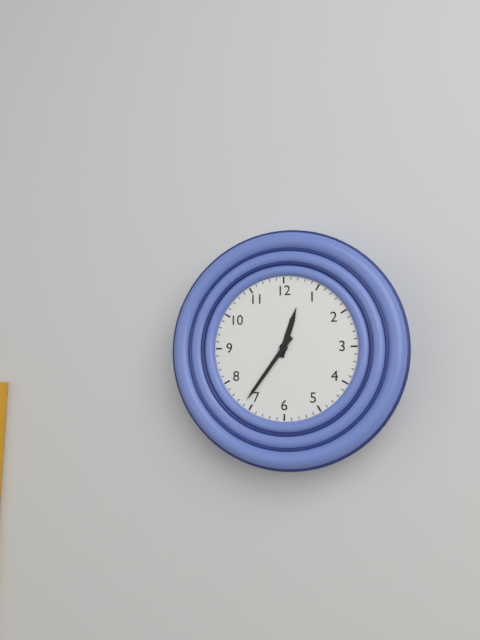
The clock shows 12.36
